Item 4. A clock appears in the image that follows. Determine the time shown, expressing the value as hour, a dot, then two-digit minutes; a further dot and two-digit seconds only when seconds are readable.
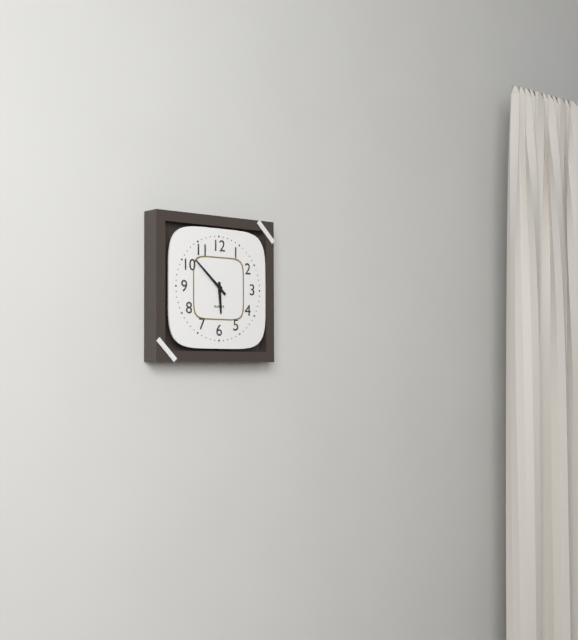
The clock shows 5.52
